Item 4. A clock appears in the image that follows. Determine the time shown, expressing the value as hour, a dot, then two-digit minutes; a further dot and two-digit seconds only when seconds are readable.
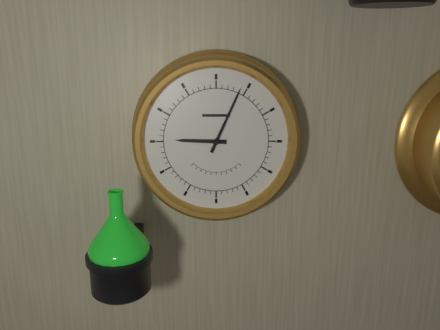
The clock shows 9.04
